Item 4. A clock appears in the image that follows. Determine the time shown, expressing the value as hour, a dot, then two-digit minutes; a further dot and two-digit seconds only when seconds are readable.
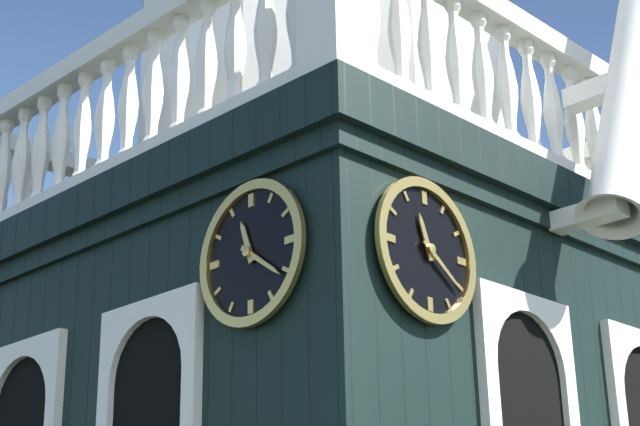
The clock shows 11.21
